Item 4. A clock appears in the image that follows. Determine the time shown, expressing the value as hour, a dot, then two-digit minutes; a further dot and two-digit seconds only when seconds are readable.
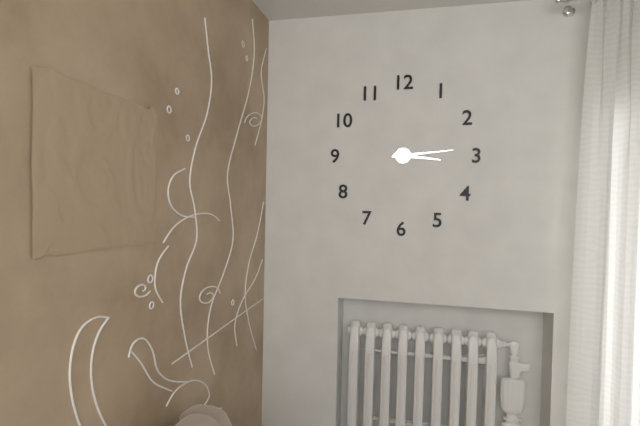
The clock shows 3.14
